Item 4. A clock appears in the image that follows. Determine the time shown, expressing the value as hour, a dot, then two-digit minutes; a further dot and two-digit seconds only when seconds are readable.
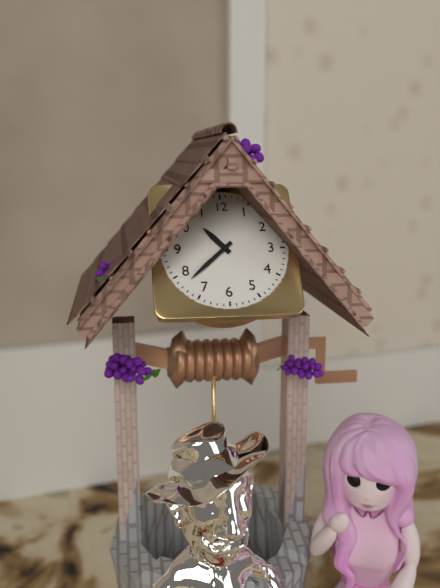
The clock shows 10.38
